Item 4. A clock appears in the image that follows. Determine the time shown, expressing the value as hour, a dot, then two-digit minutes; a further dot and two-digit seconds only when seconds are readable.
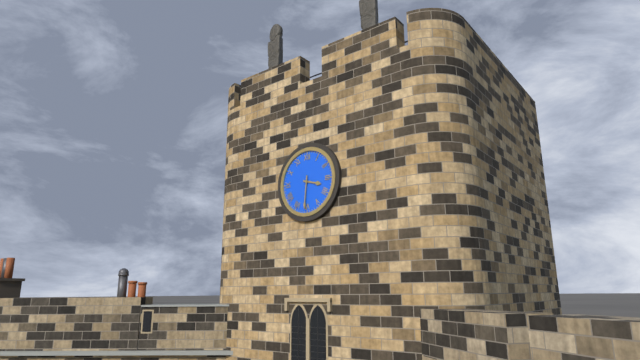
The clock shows 3.31
